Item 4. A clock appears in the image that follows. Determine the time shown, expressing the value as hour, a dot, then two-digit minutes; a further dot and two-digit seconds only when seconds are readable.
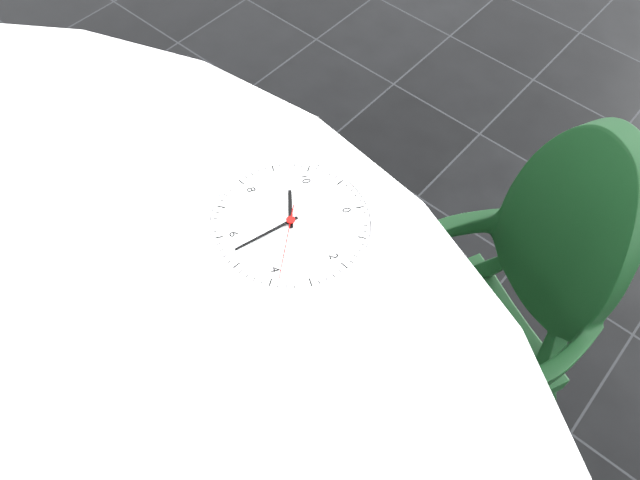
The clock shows 9.27.19
